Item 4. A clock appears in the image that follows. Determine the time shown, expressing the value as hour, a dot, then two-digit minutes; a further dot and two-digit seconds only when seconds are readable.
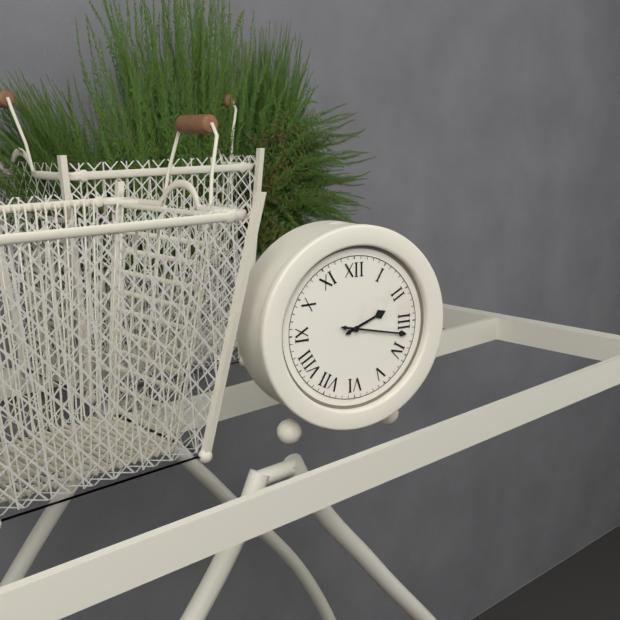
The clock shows 2.17
